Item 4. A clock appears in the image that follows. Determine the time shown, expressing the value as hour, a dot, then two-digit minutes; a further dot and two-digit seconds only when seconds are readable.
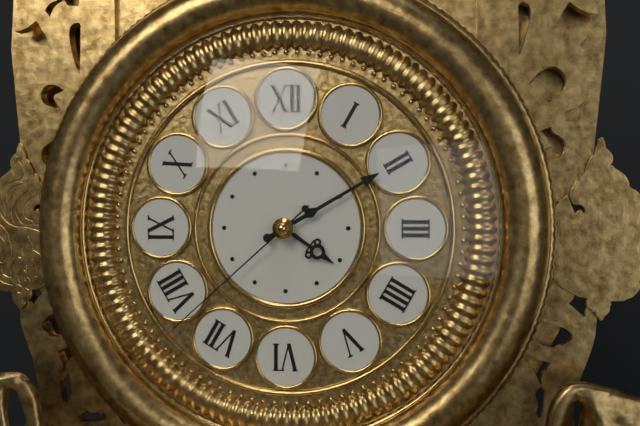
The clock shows 4.10.38
